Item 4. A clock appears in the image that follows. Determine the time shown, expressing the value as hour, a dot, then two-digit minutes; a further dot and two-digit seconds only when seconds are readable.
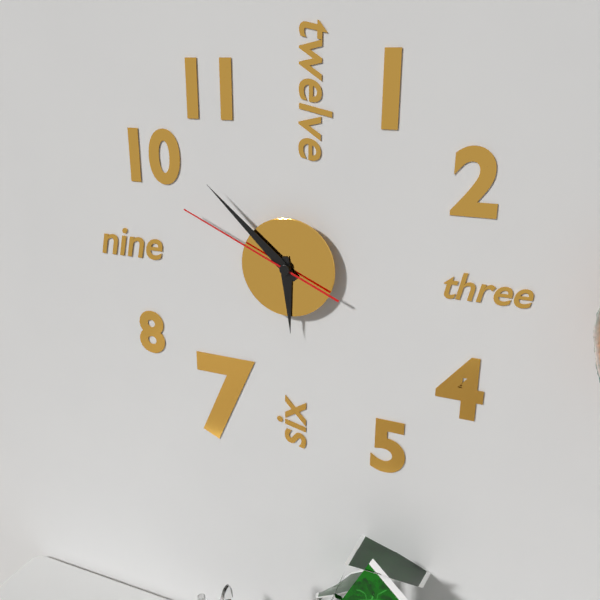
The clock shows 5.52.49
